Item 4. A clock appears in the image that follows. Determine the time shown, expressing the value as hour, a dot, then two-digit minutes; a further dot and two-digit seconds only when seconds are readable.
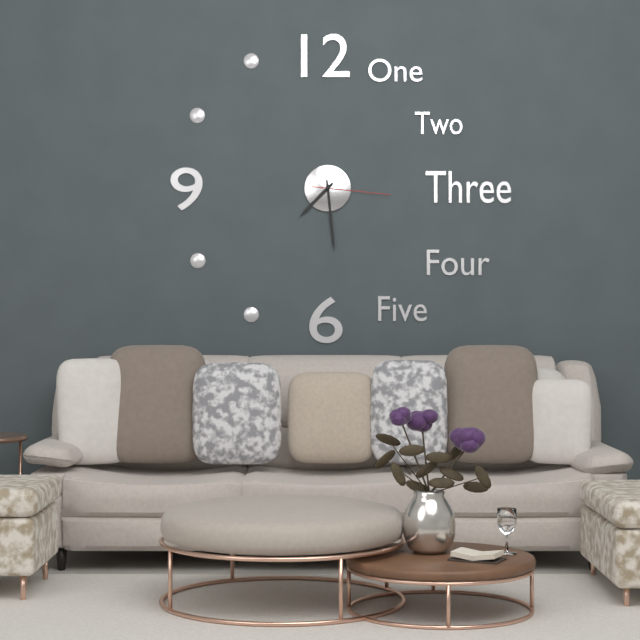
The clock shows 7.29.16
